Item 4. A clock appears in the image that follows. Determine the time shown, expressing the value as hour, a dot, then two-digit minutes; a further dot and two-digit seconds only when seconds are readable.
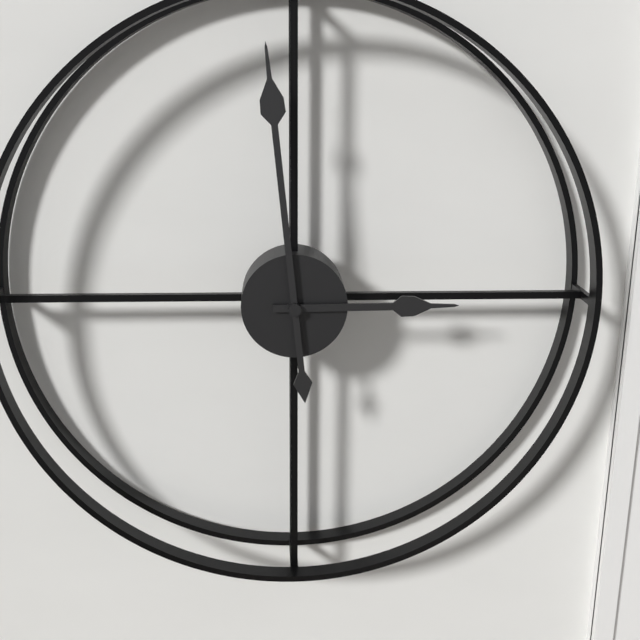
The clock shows 2.59
